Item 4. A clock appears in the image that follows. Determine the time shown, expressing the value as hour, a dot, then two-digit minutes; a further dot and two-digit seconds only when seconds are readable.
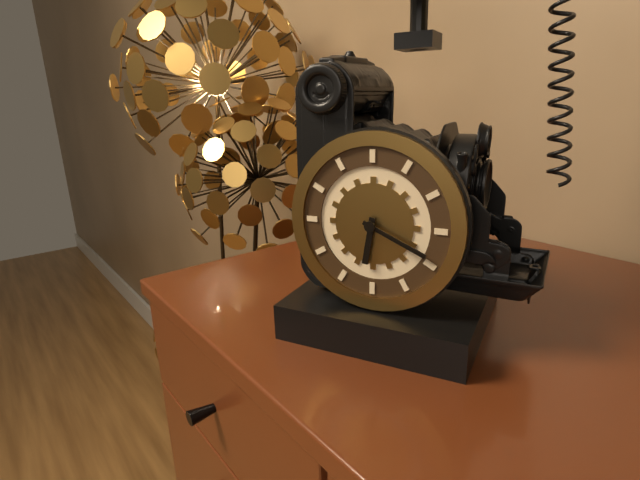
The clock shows 6.19
